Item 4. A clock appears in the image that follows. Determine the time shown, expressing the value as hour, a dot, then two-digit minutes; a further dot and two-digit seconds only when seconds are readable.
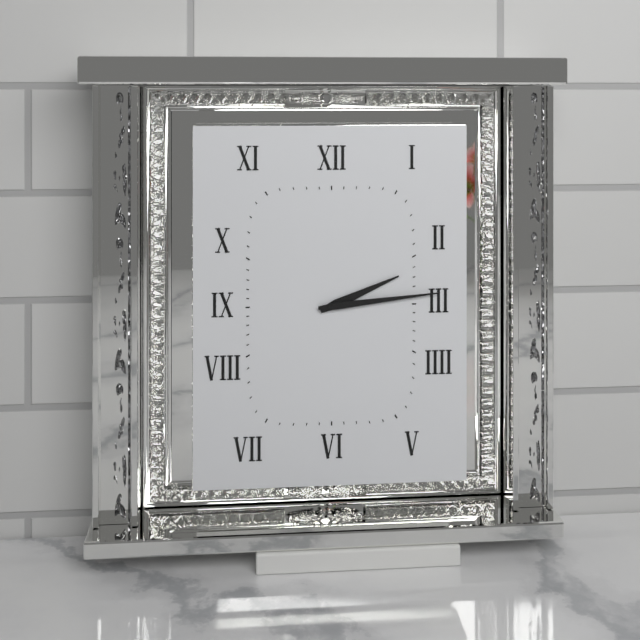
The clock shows 2.14
